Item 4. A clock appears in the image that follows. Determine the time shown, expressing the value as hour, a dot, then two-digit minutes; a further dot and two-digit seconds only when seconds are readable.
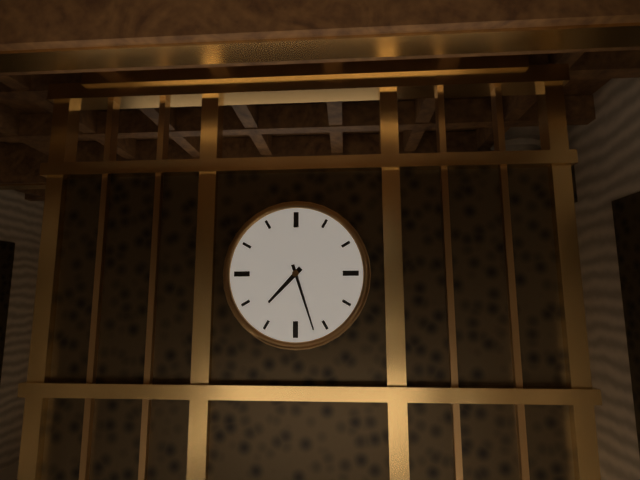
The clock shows 7.27
